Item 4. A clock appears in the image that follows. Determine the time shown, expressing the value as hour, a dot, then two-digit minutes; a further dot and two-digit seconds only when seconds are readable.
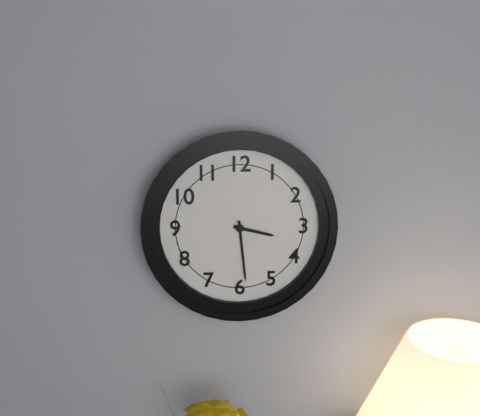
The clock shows 3.29
